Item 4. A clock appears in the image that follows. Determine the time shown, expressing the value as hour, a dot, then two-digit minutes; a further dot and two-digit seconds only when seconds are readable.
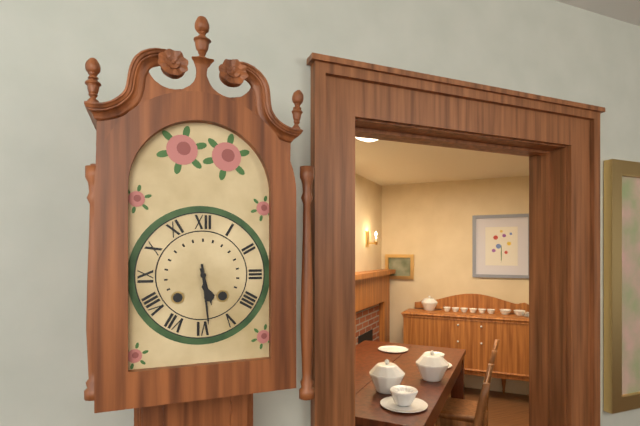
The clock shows 5.29
